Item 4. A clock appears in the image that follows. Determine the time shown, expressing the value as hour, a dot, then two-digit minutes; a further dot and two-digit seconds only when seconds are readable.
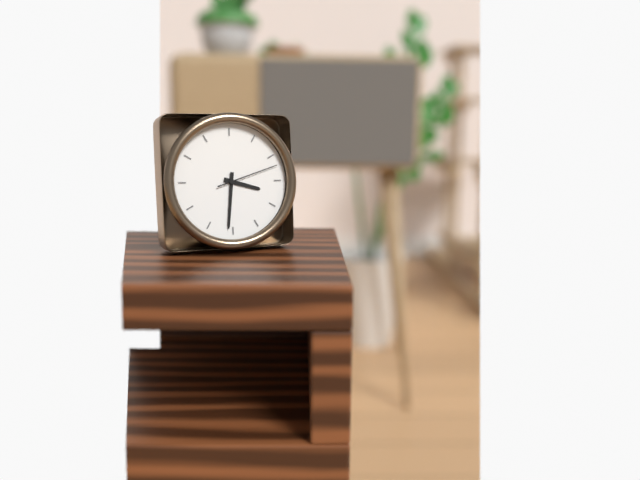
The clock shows 3.31.12
